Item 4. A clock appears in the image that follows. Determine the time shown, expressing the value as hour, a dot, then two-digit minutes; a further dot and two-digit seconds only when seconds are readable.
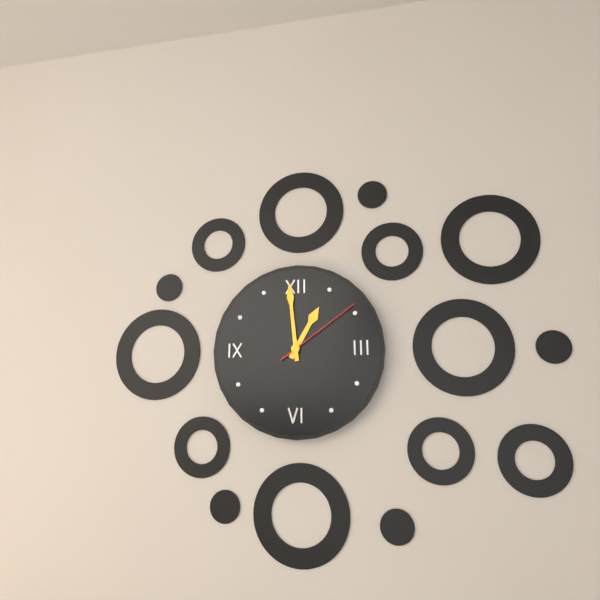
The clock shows 12.59.09
